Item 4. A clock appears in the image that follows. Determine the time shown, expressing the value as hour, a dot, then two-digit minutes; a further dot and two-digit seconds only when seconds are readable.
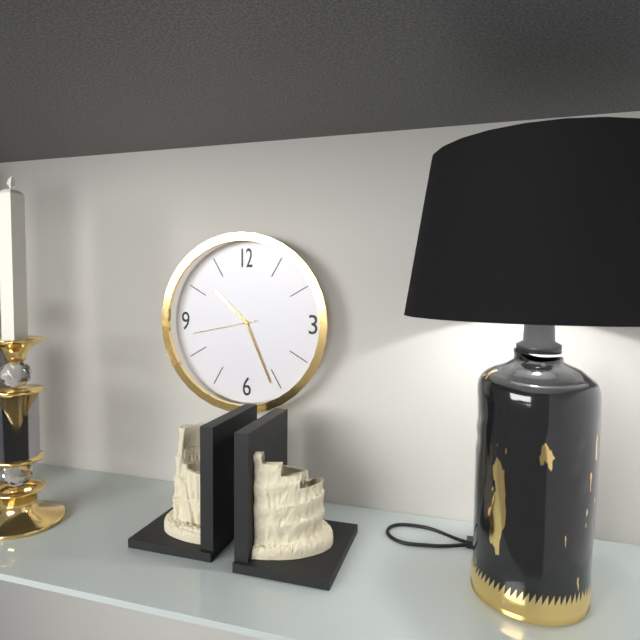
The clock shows 10.26.43
